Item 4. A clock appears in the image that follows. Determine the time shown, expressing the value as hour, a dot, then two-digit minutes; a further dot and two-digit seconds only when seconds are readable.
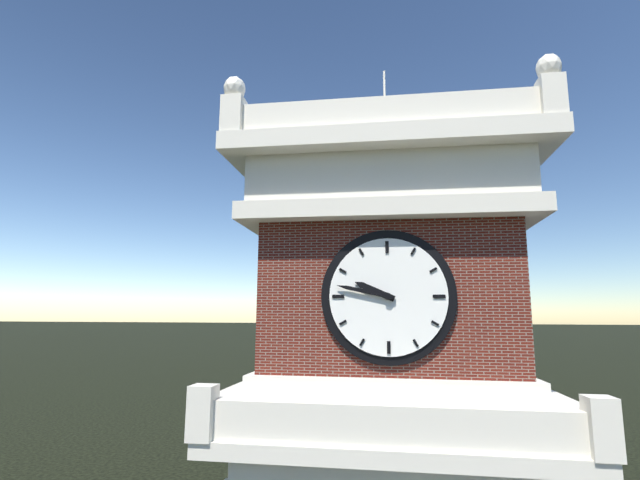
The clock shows 9.47
